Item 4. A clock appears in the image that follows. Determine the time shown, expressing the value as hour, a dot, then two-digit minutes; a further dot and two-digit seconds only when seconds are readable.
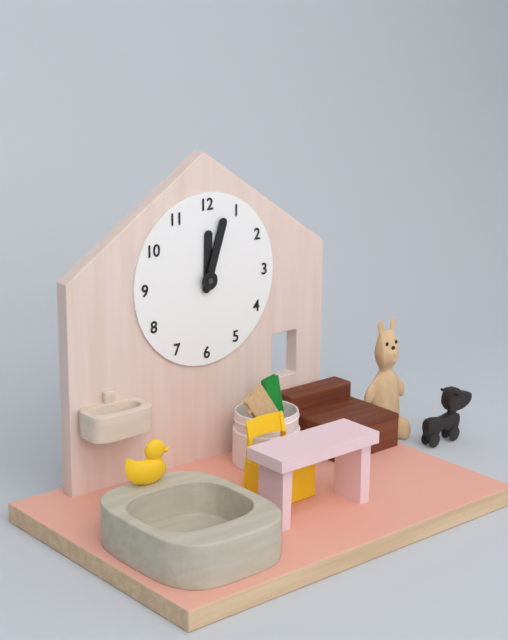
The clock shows 12.03
